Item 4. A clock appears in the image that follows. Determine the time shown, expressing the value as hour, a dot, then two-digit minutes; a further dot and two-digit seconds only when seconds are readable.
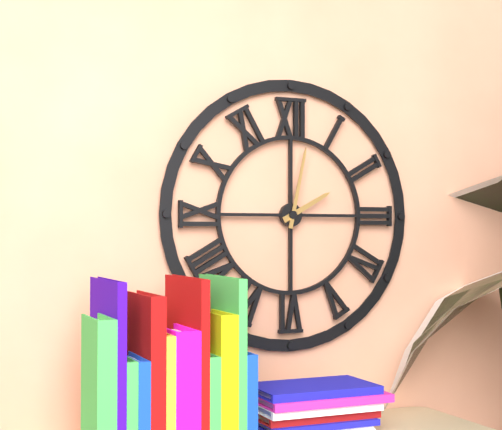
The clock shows 2.02
